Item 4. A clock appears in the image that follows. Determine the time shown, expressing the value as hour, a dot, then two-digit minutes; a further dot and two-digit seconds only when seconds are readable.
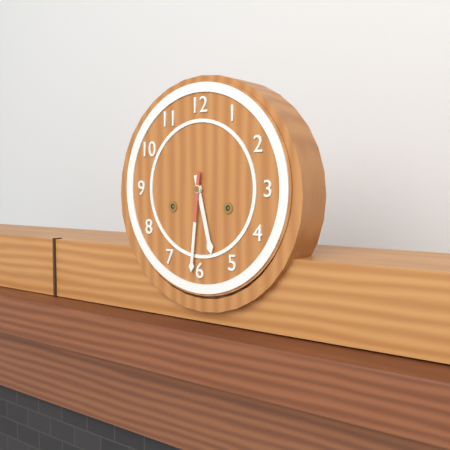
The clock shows 5.31
